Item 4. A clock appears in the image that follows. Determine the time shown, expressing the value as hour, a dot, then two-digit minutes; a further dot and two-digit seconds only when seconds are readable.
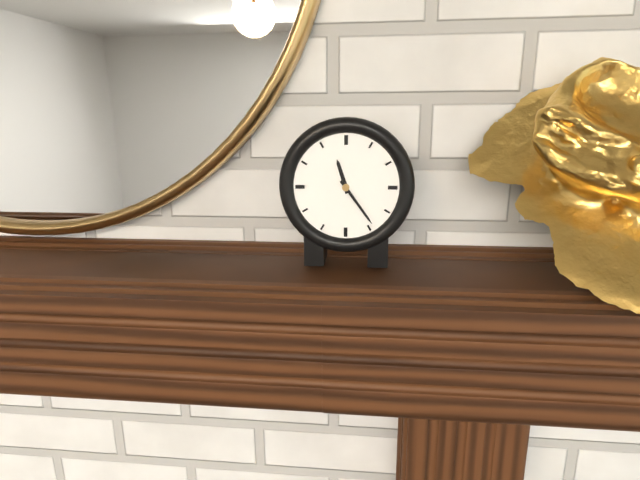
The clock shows 11.24
